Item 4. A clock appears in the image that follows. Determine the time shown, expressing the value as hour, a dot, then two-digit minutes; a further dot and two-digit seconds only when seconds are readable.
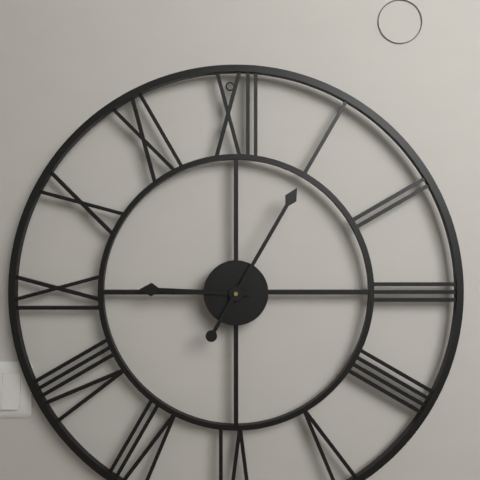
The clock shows 9.05
